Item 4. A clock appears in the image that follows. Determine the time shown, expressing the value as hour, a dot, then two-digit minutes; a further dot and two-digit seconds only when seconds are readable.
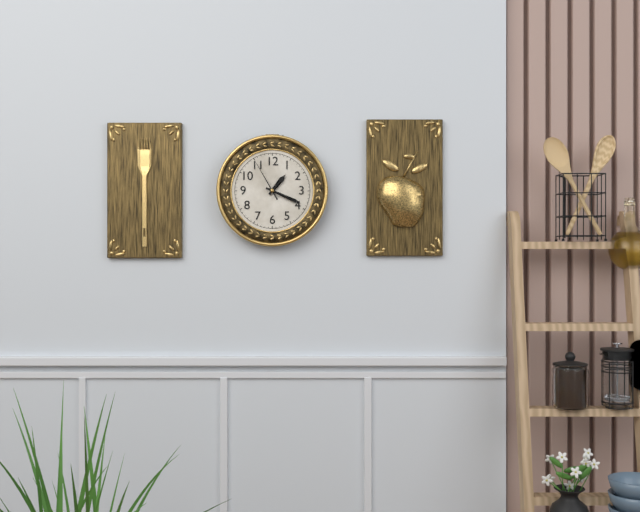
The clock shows 1.19
